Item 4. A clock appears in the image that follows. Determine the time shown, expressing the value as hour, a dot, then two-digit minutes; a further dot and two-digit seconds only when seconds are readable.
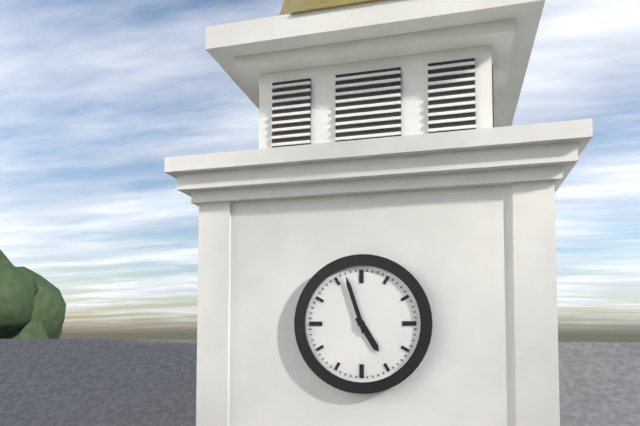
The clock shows 4.57
